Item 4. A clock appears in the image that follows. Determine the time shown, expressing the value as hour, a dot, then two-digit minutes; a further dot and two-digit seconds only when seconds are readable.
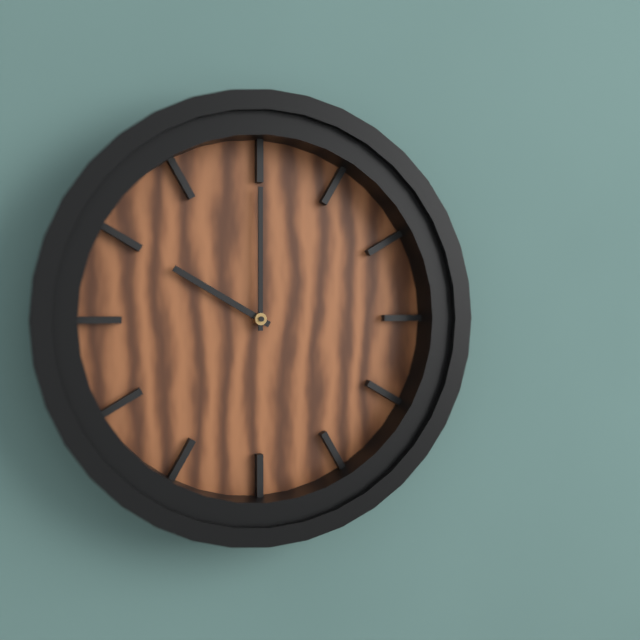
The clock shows 10.00
